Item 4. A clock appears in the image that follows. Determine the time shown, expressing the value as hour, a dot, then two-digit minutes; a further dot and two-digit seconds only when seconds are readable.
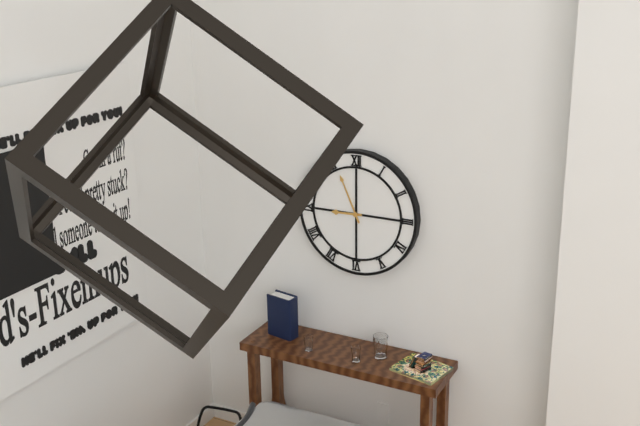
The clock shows 8.56
